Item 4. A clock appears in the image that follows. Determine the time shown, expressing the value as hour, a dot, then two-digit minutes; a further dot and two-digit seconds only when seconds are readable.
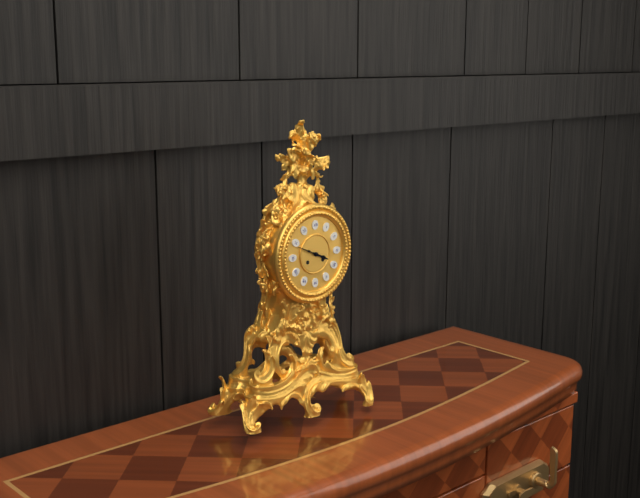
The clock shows 3.49
